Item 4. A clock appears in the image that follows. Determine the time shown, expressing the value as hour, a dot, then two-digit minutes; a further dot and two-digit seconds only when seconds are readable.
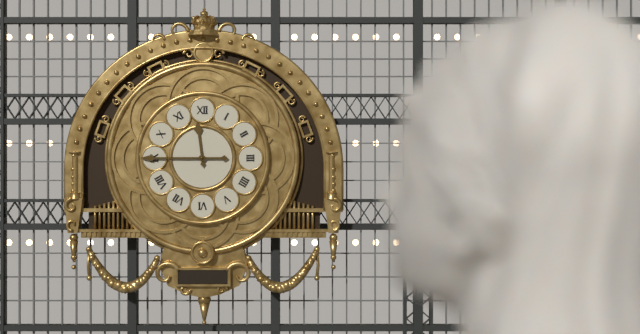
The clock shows 11.45
